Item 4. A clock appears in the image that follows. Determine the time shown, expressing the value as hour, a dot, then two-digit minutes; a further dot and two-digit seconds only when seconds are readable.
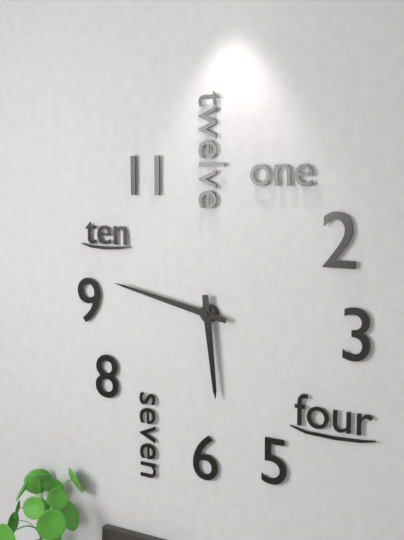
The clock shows 5.47
